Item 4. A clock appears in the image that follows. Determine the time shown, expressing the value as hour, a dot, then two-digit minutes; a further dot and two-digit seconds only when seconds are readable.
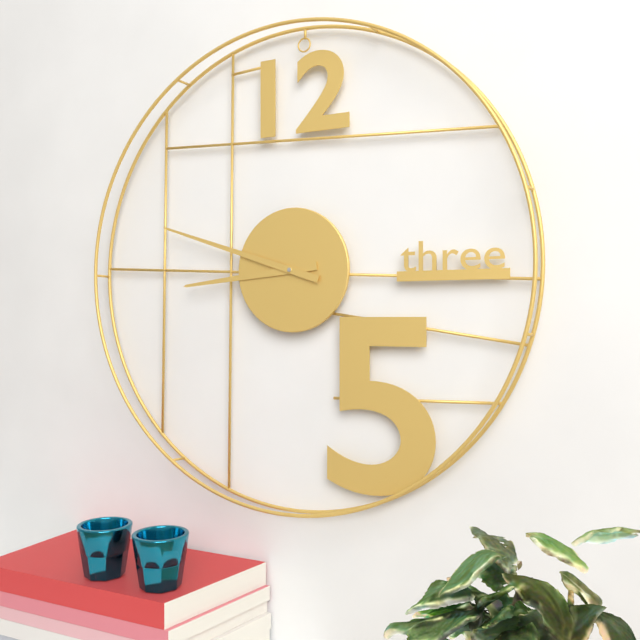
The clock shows 8.48
